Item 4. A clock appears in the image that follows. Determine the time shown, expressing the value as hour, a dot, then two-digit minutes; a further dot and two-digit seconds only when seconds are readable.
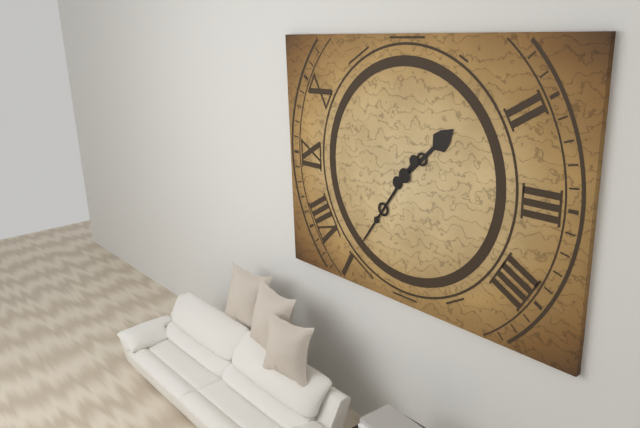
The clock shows 1.36
